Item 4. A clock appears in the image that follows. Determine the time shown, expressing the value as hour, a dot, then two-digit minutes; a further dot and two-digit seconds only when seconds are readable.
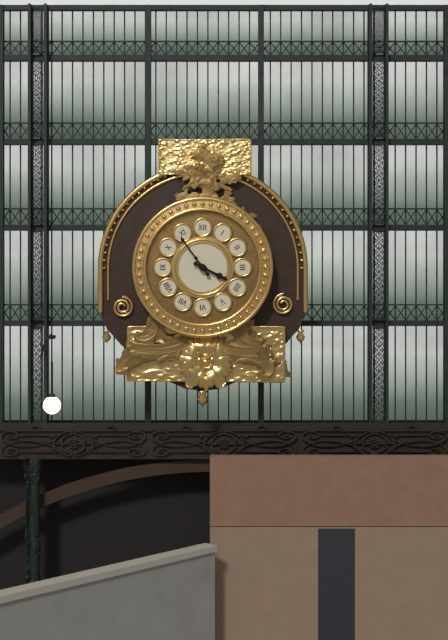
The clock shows 3.54
